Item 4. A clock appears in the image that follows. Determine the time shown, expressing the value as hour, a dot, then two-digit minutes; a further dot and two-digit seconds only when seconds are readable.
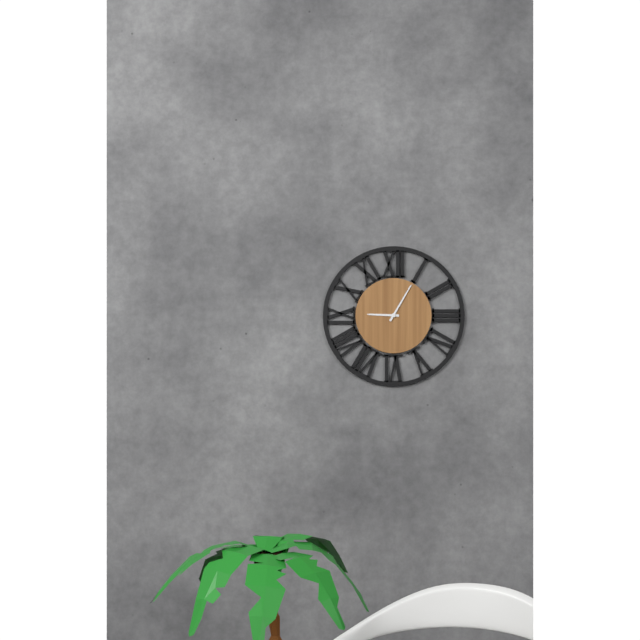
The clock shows 9.05
